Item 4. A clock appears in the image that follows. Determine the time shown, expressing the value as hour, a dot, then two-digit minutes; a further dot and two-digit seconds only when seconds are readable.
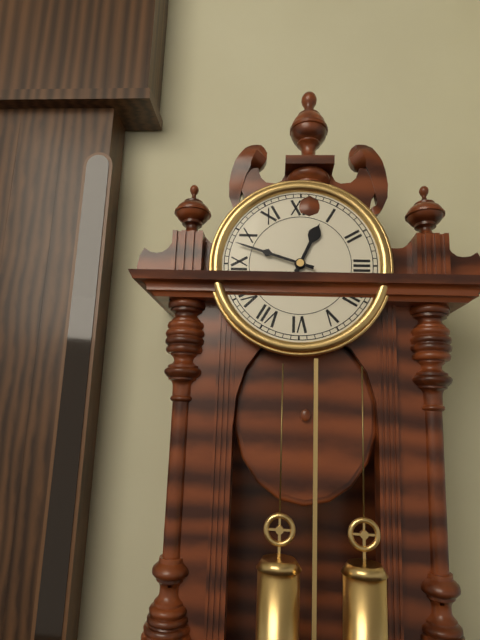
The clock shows 12.48
